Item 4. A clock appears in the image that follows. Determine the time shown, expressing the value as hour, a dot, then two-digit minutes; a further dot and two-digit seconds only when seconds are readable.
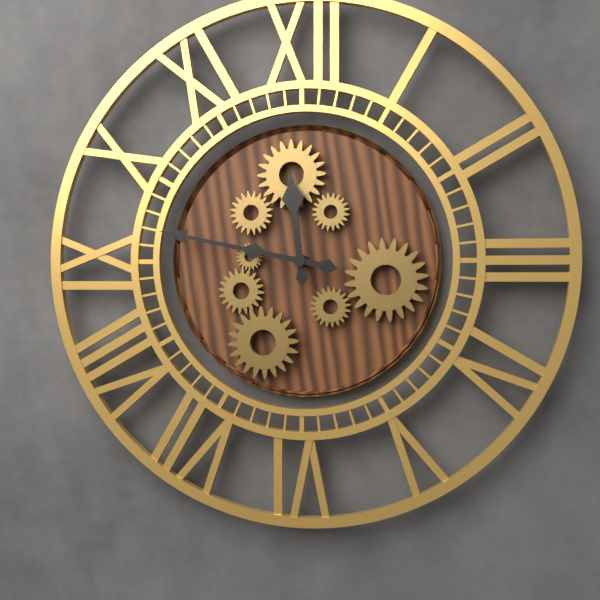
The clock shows 11.47
